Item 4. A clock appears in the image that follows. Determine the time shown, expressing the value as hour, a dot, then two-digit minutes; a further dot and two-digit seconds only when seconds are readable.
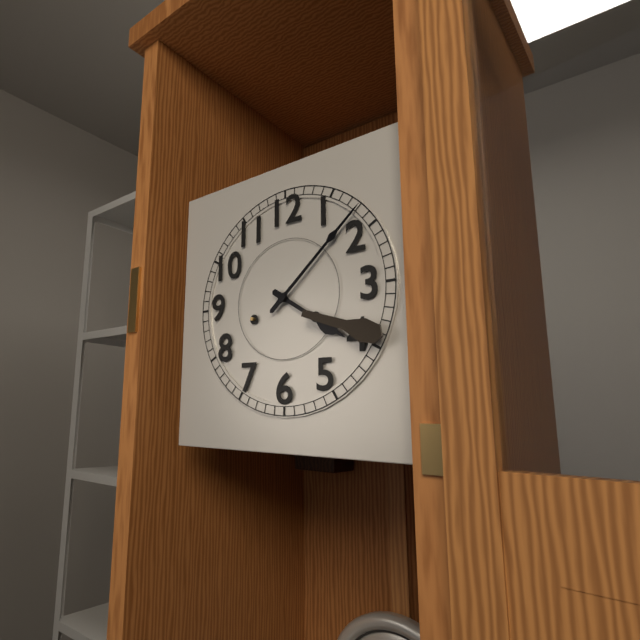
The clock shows 4.08
